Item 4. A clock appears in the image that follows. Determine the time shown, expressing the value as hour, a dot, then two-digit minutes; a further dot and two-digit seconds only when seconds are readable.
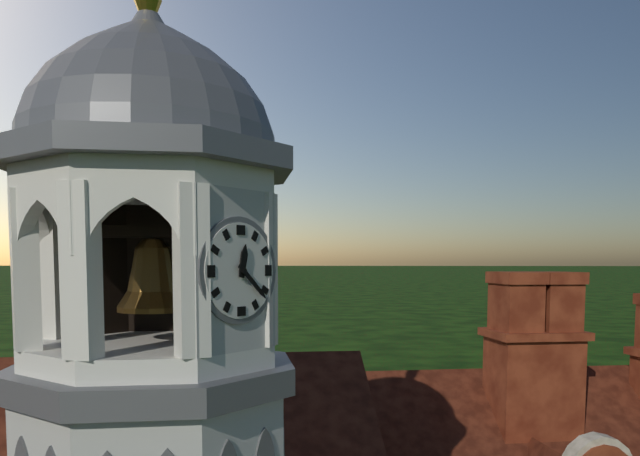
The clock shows 12.22
